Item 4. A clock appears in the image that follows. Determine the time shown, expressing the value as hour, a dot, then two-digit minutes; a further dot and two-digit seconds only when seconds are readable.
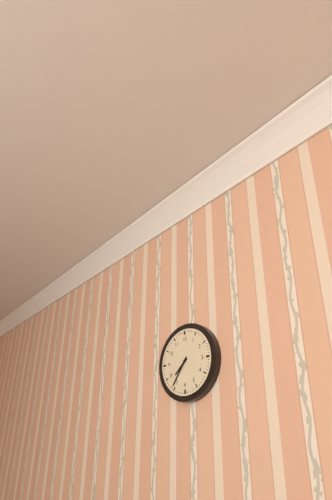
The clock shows 7.36
